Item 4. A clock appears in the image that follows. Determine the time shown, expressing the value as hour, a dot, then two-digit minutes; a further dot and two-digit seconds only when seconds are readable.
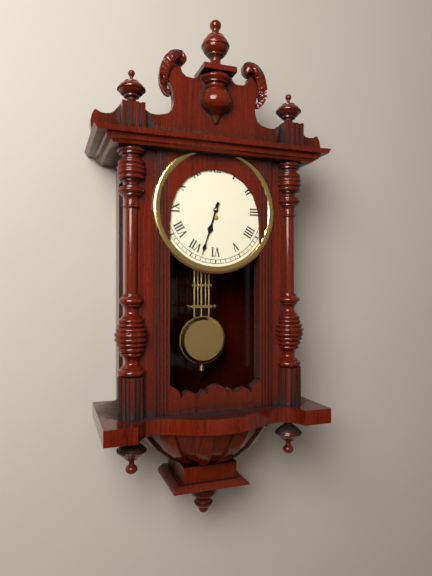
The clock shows 6.33
